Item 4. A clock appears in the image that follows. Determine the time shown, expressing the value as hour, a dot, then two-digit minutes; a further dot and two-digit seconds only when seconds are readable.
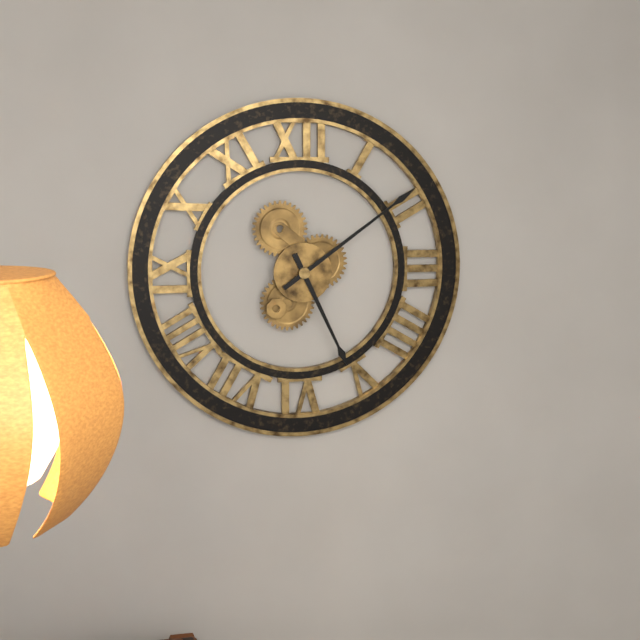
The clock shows 5.09
